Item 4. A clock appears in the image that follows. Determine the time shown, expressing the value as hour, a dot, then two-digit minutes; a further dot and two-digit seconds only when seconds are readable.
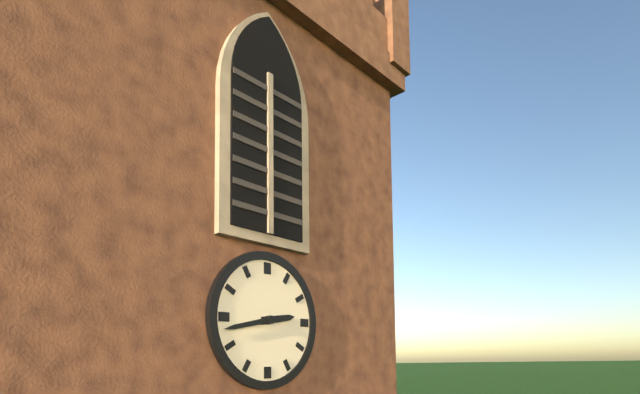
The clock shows 2.43
